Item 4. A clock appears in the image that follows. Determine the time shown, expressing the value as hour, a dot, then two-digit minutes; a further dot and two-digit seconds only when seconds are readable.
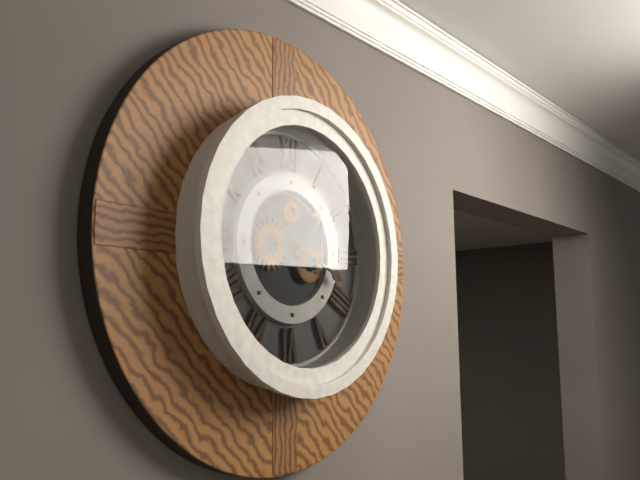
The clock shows 1.19
